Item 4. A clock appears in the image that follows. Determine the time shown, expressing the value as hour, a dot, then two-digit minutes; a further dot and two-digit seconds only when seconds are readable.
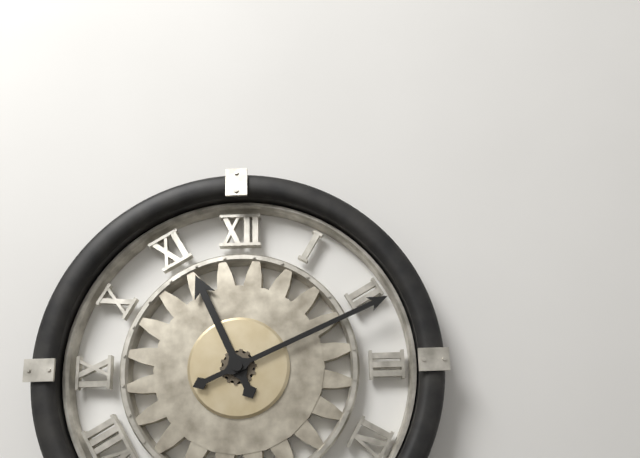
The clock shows 11.11
